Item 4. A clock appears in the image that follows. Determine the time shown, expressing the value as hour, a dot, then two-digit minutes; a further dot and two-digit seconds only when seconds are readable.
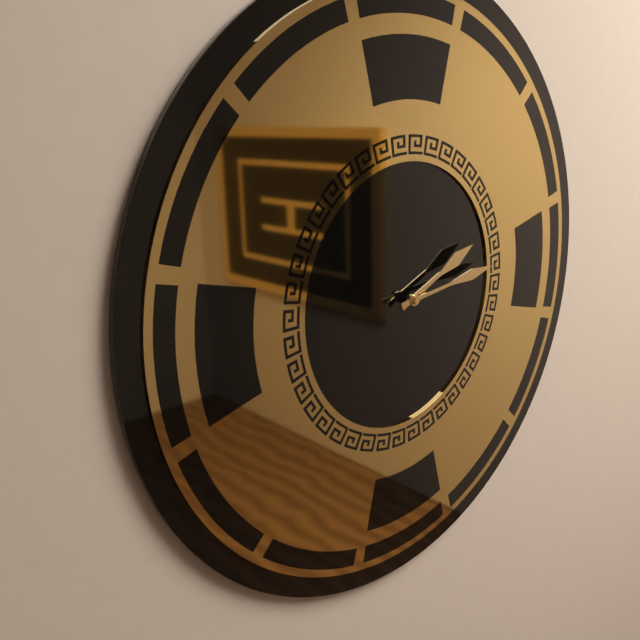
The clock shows 2.14
